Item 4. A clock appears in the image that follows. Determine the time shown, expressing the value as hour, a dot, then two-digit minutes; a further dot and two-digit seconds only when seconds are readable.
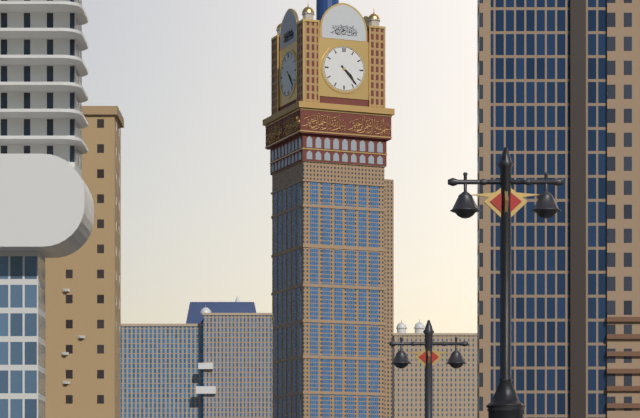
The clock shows 4.23
